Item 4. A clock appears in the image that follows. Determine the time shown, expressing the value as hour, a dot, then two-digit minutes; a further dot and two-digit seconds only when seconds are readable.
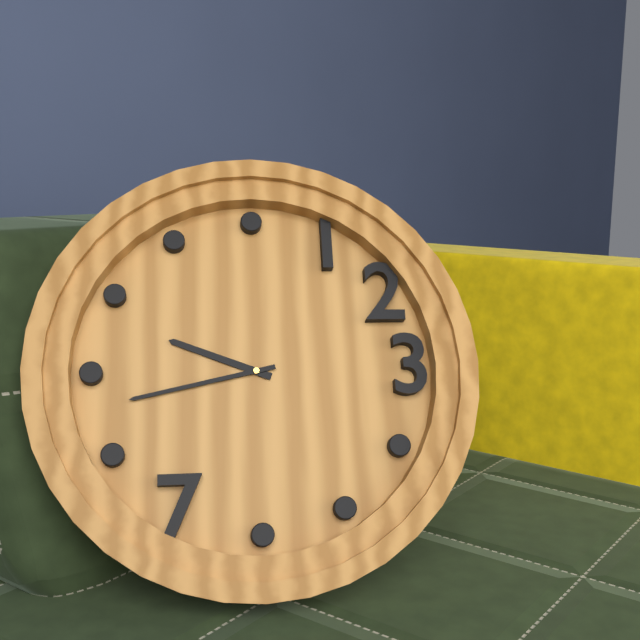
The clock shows 9.43
